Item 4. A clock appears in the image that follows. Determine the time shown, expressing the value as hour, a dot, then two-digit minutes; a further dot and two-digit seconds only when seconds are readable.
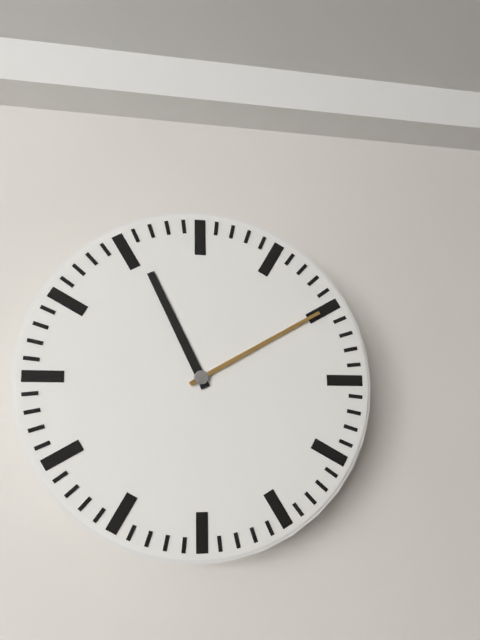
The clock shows 11.10
